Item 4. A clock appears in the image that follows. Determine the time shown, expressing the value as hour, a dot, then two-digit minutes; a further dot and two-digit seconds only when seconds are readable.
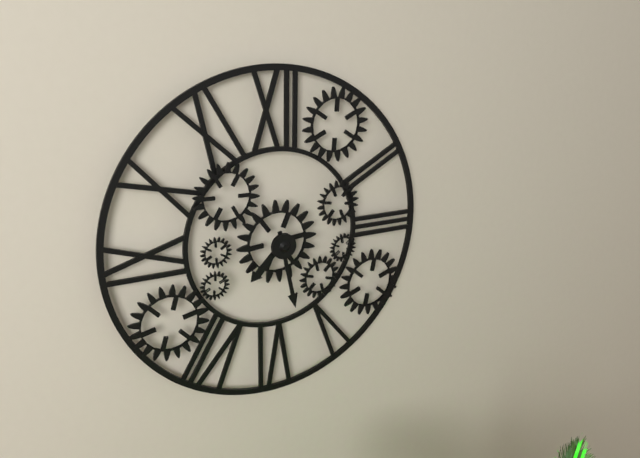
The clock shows 7.28
